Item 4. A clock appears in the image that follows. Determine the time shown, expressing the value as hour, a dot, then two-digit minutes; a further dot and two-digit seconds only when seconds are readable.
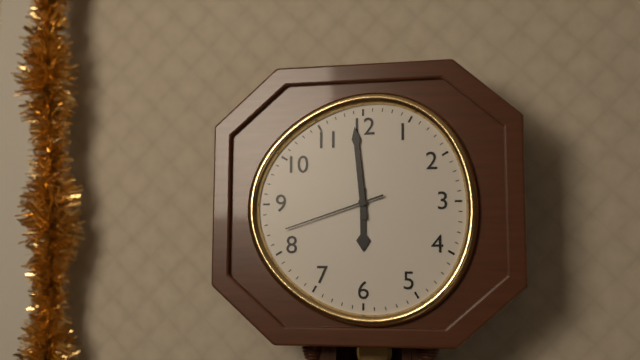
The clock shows 5.59.42
